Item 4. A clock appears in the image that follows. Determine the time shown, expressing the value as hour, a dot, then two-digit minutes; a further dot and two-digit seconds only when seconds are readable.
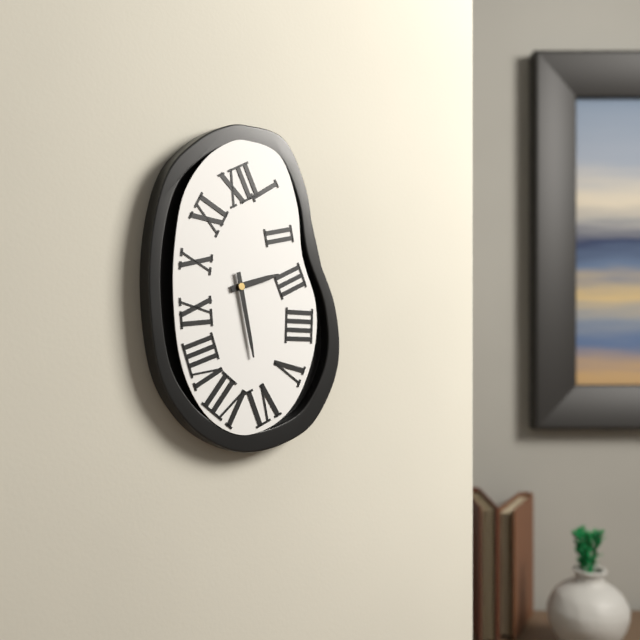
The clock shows 2.28
